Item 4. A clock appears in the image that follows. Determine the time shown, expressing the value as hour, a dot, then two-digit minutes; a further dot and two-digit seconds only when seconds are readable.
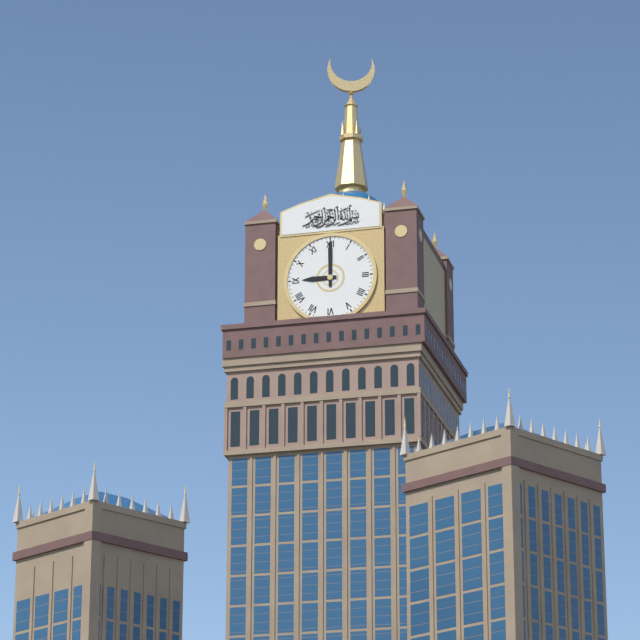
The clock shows 9.00
